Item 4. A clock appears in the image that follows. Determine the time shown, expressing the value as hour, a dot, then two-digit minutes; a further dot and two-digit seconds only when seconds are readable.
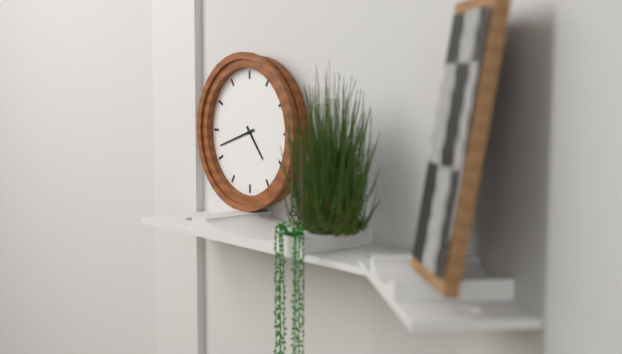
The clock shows 4.42
